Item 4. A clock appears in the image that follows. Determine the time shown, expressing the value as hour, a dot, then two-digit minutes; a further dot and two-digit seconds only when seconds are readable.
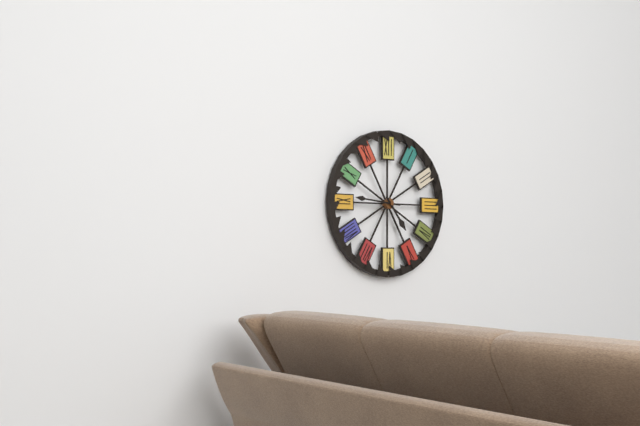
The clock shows 4.46
